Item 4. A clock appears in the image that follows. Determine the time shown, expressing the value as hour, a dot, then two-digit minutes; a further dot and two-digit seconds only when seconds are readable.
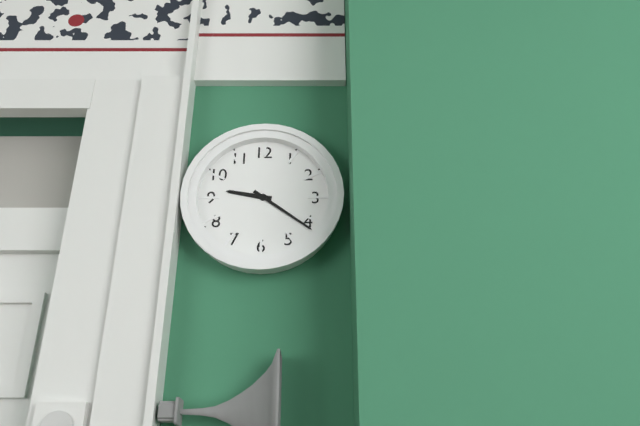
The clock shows 9.21
